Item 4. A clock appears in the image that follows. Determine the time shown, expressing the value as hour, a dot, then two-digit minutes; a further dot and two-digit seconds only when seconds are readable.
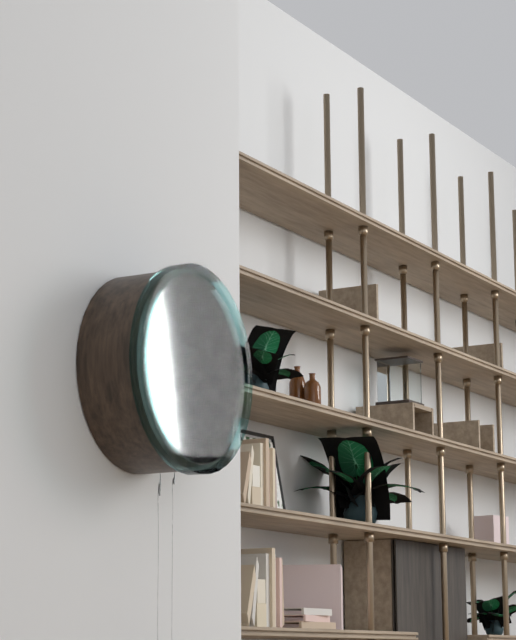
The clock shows 9.45
